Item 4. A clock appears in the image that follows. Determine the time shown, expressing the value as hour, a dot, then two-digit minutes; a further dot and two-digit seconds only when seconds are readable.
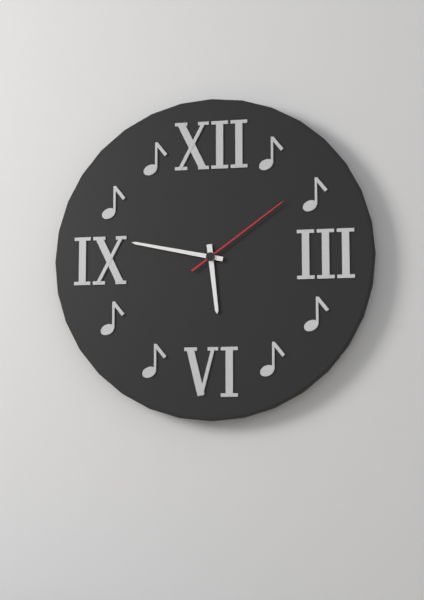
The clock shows 5.47.09
